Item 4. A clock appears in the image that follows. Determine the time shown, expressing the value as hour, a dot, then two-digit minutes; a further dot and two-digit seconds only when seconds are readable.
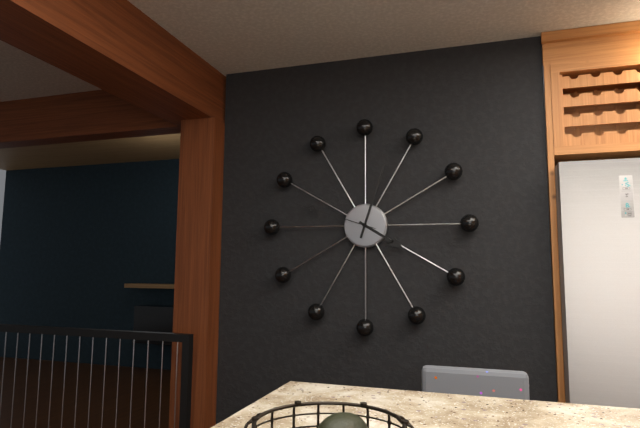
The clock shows 4.03.48
